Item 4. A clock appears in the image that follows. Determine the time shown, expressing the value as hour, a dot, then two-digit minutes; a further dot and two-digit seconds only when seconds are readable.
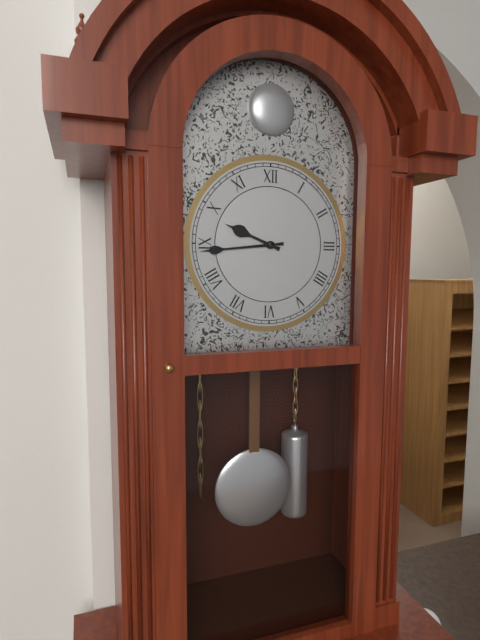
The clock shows 9.44
